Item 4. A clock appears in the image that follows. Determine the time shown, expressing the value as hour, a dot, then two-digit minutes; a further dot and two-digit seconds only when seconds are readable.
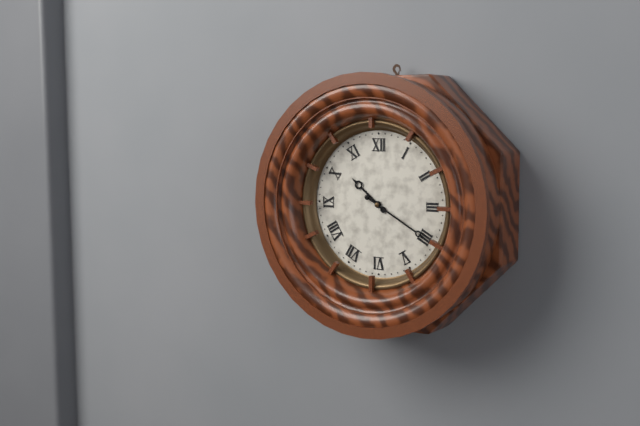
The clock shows 10.20
